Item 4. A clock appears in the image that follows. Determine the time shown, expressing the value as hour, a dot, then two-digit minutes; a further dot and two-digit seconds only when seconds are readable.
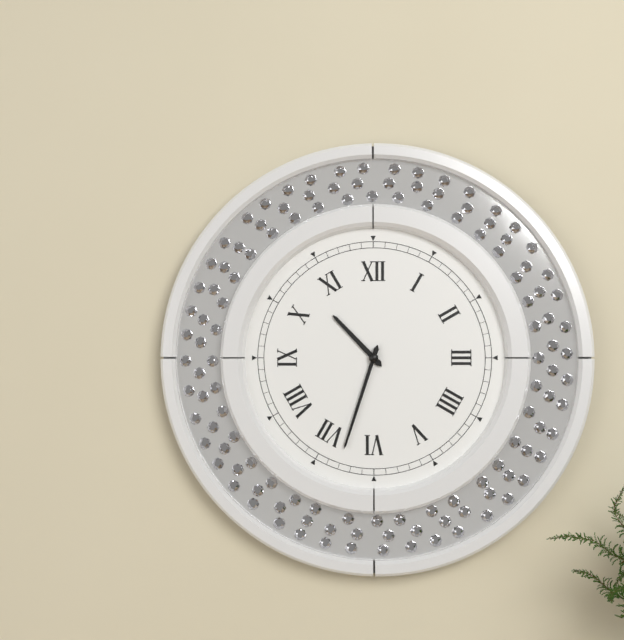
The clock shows 10.33
